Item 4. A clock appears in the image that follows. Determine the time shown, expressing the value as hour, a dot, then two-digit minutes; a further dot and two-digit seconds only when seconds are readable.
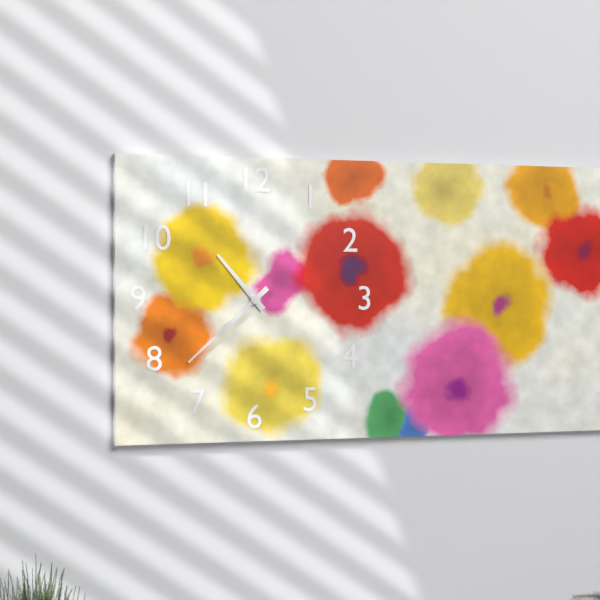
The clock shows 10.38
